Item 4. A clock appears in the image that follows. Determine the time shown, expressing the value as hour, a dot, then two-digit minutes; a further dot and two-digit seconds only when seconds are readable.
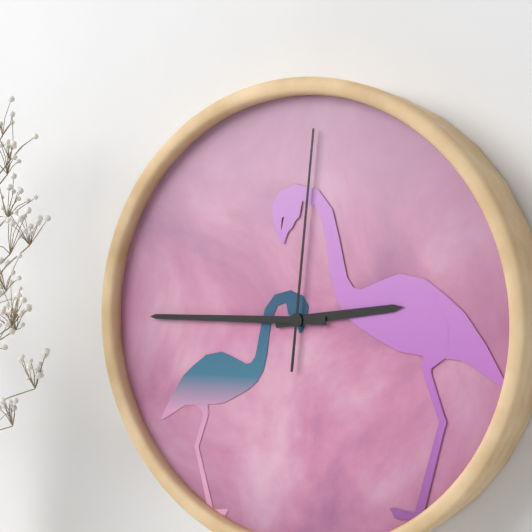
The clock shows 2.45.01
